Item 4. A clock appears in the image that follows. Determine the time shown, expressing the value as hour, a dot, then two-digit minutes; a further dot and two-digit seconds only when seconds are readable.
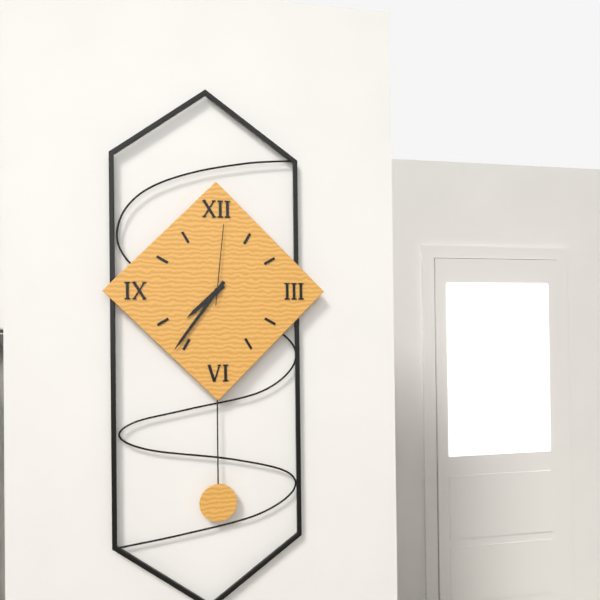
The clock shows 7.36.01
